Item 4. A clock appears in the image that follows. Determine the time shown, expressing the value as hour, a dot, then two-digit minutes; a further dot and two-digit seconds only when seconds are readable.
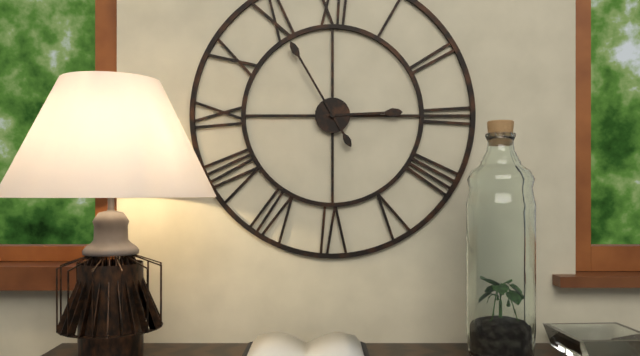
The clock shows 2.55
